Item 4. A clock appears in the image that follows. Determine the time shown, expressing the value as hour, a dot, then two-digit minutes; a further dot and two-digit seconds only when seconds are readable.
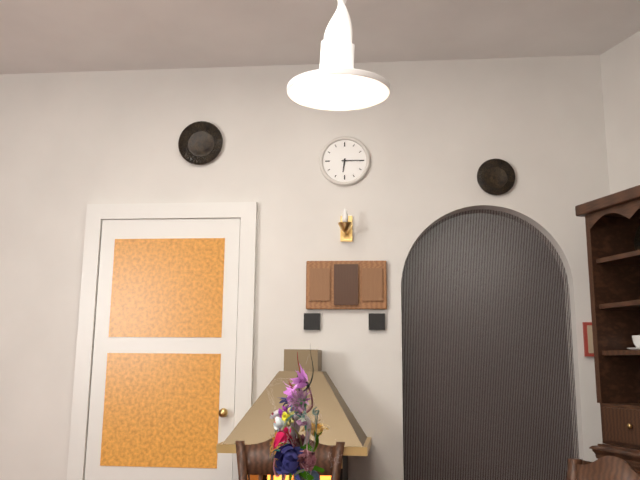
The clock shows 6.15
